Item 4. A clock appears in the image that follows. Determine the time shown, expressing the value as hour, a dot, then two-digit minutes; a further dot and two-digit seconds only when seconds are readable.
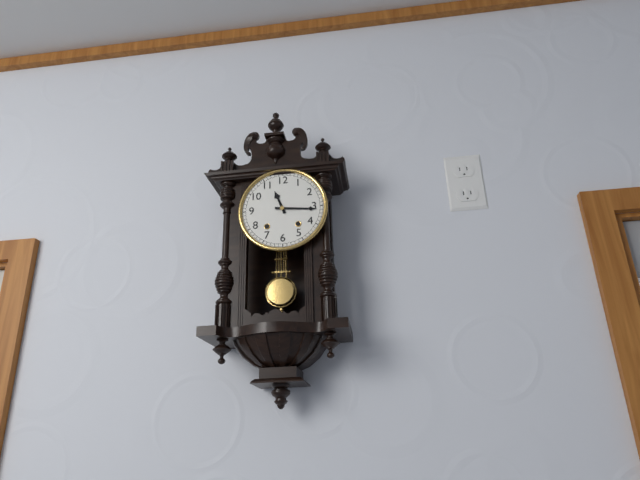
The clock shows 11.16
